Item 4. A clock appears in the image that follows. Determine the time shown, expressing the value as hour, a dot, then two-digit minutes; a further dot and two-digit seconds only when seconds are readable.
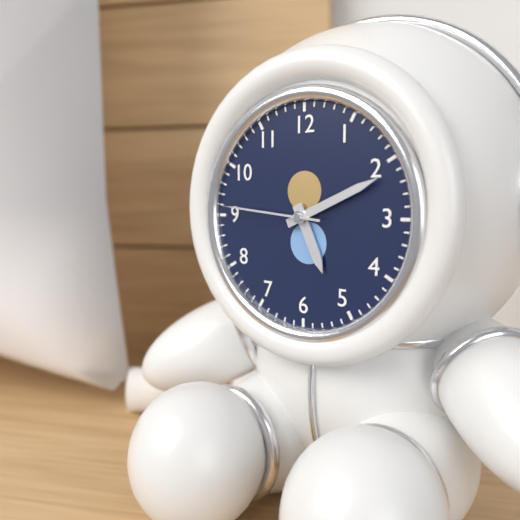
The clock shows 5.11.46
